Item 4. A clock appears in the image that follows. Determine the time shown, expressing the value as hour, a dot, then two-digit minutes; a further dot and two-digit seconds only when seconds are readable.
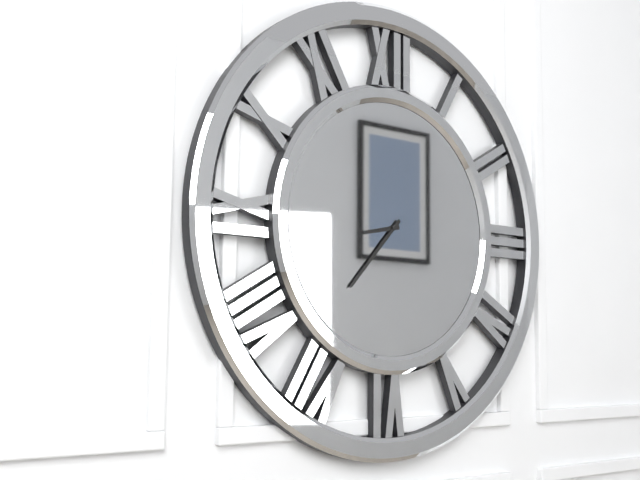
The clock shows 8.37
